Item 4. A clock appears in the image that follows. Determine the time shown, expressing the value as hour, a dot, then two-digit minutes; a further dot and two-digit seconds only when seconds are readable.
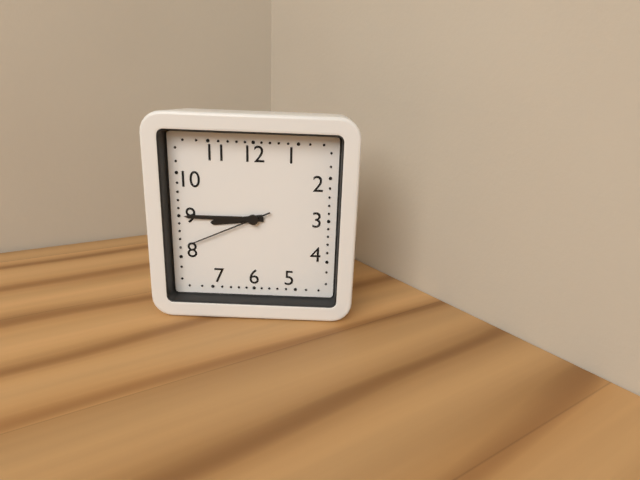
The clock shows 8.45.41
